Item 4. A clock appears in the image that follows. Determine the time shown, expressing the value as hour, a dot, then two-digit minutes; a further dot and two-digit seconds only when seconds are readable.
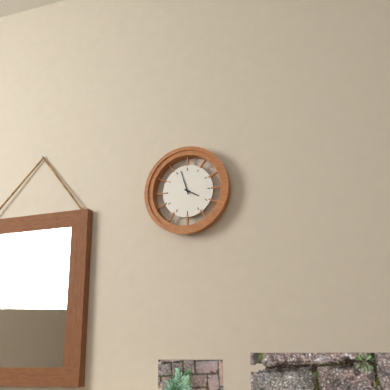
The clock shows 3.57
